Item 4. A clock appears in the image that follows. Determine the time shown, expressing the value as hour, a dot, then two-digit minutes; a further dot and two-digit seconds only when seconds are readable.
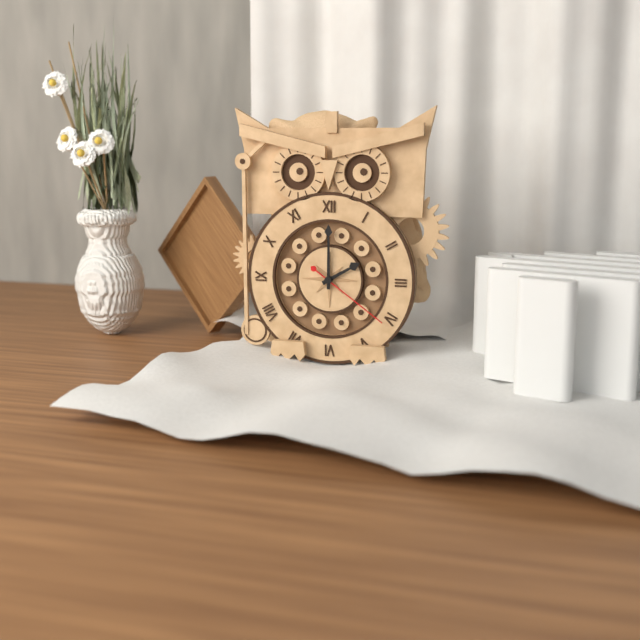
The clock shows 2.00.21
